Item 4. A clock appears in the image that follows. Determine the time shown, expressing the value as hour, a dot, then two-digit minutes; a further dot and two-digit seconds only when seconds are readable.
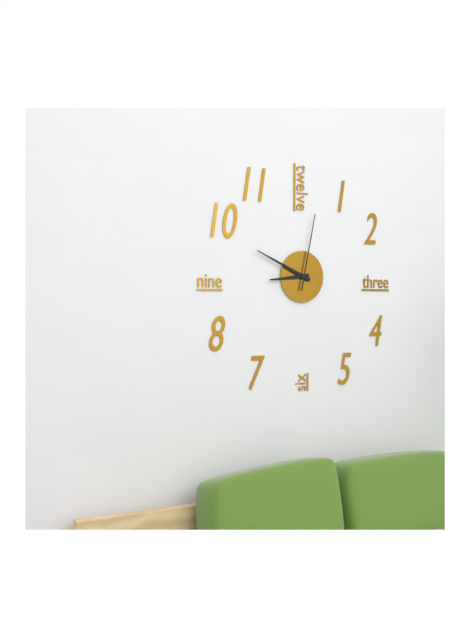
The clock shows 8.49.02
